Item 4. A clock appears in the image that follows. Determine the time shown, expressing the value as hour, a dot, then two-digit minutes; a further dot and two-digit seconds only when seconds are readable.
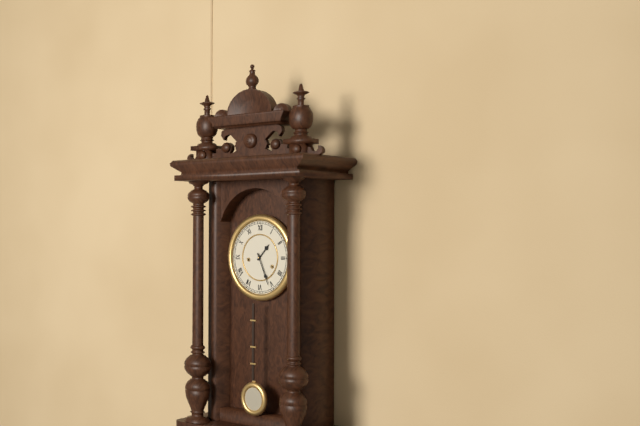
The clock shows 1.26
